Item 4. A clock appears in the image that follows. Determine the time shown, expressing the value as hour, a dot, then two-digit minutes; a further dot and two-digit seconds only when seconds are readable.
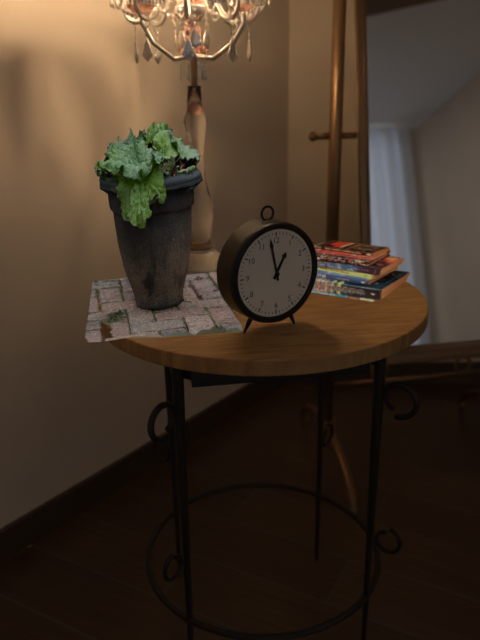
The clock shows 12.58
